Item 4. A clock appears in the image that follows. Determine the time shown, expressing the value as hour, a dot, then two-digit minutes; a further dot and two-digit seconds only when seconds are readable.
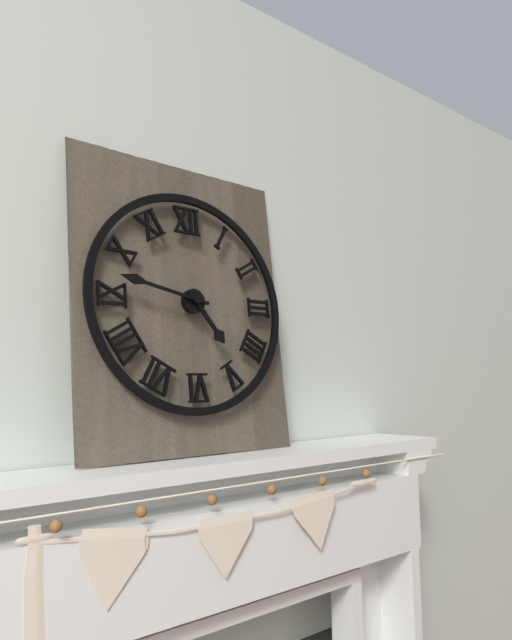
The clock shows 4.47
